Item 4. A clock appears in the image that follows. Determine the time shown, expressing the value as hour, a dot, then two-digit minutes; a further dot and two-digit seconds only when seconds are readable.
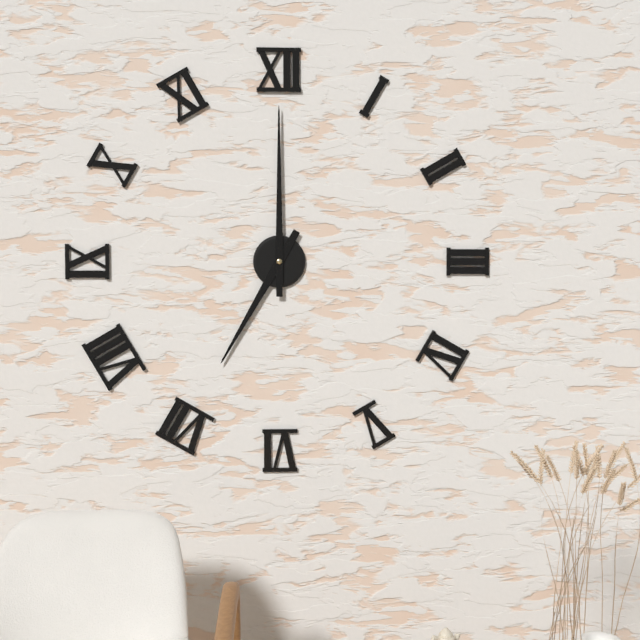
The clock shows 7.00
